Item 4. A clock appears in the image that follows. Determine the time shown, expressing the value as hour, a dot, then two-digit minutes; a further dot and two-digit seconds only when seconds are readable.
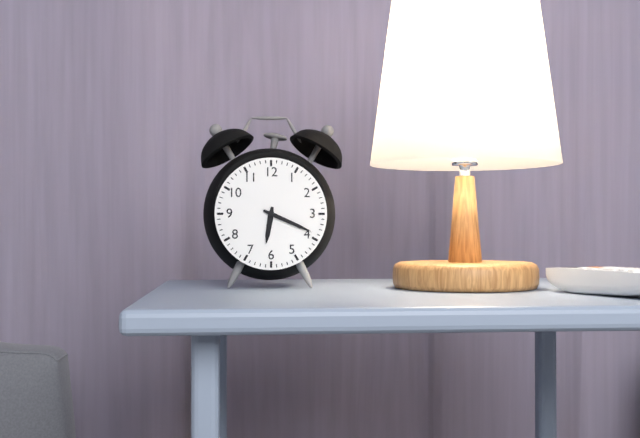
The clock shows 6.19
